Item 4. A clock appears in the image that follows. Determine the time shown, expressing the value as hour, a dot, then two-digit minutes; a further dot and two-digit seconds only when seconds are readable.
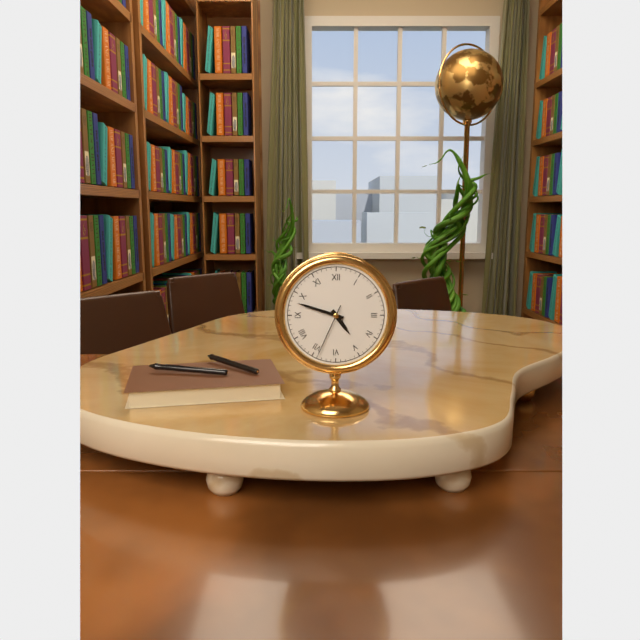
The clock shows 4.48.34
